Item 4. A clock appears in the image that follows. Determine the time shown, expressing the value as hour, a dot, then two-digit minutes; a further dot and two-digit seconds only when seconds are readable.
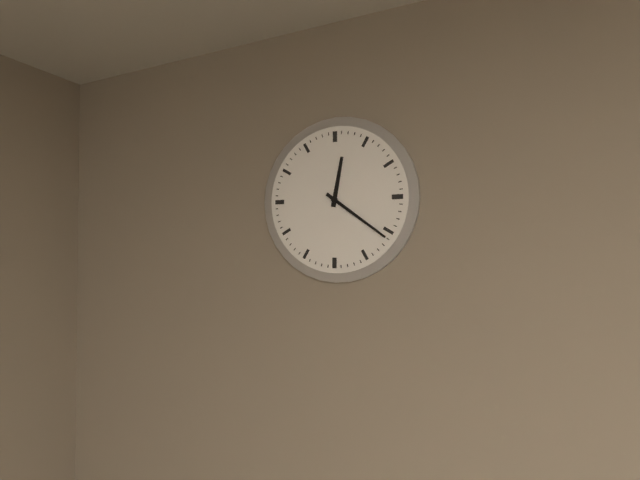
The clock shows 12.21
